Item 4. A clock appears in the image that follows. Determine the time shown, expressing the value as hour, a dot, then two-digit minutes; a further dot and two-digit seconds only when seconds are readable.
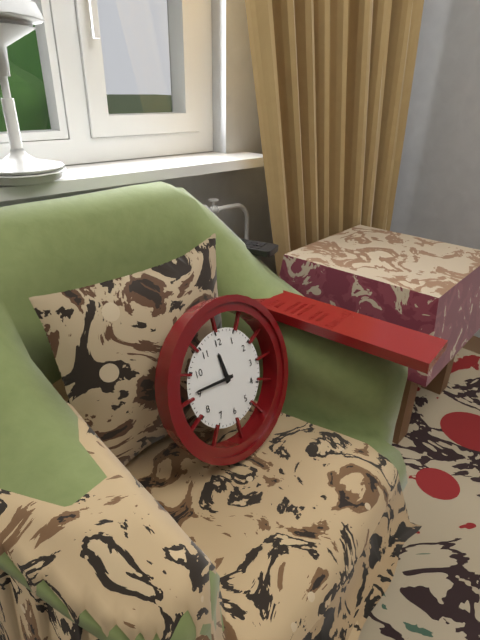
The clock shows 11.46
